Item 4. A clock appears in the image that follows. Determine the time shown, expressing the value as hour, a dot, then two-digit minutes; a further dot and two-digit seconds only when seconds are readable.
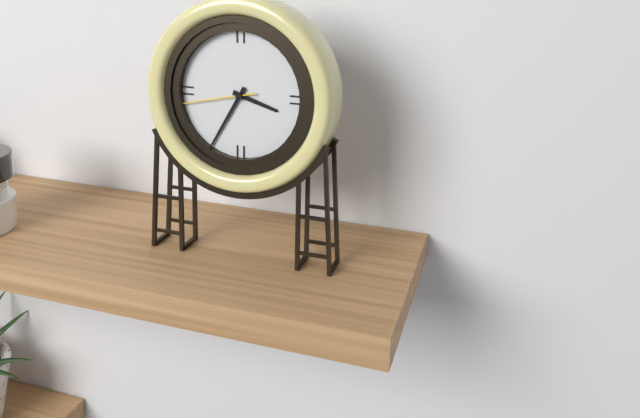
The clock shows 3.35.43
